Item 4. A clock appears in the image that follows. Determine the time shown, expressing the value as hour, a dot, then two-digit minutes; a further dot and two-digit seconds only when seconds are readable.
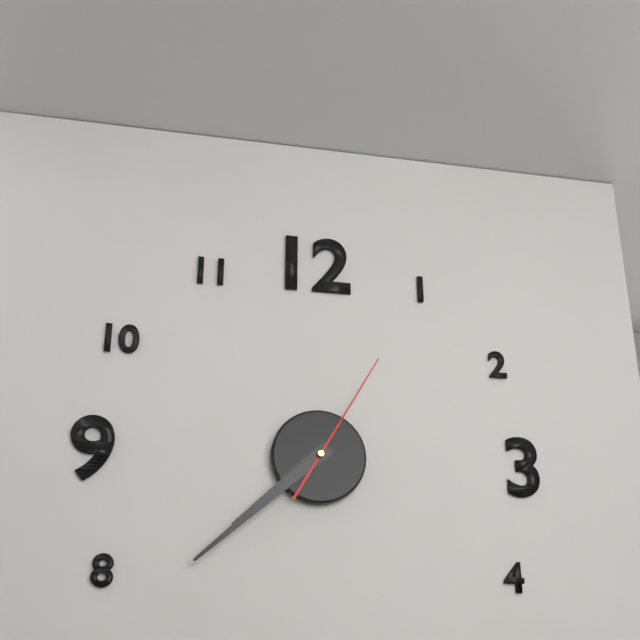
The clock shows 7.38.05
